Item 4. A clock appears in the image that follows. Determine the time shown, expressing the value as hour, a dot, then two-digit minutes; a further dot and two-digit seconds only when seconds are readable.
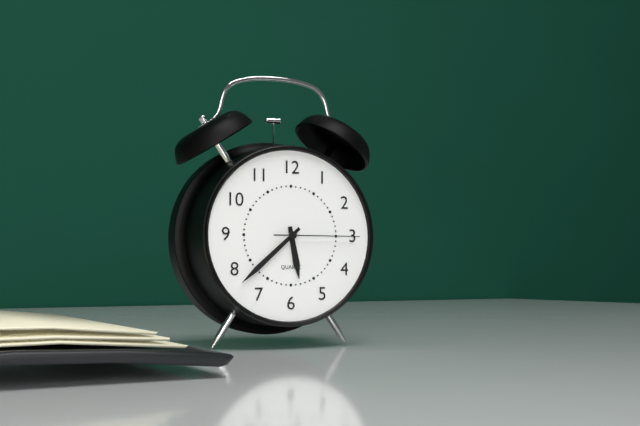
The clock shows 5.38.15
